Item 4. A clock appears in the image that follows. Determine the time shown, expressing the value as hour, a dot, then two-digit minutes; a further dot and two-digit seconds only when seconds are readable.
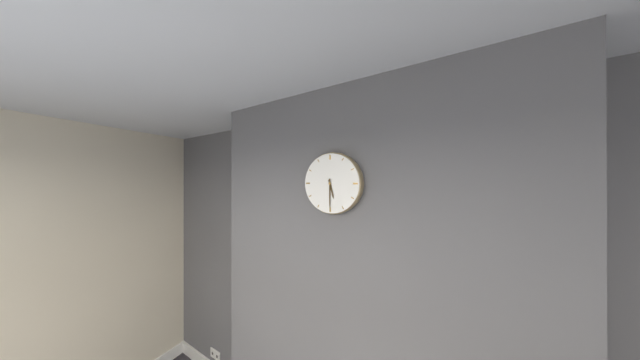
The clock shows 5.30
